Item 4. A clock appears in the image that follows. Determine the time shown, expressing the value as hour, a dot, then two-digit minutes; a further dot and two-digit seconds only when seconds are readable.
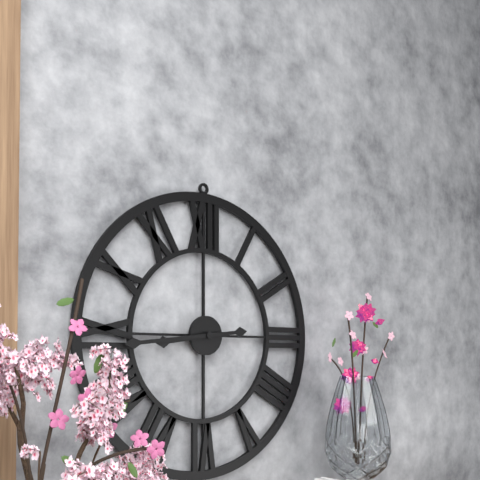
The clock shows 8.44
